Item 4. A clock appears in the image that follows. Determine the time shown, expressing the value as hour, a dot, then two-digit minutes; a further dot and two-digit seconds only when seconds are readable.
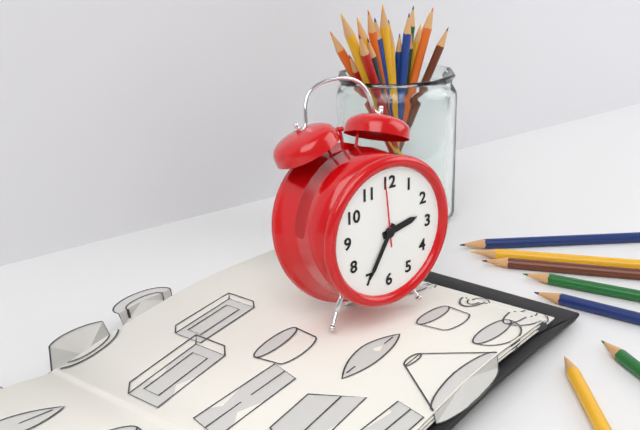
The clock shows 2.35.59
